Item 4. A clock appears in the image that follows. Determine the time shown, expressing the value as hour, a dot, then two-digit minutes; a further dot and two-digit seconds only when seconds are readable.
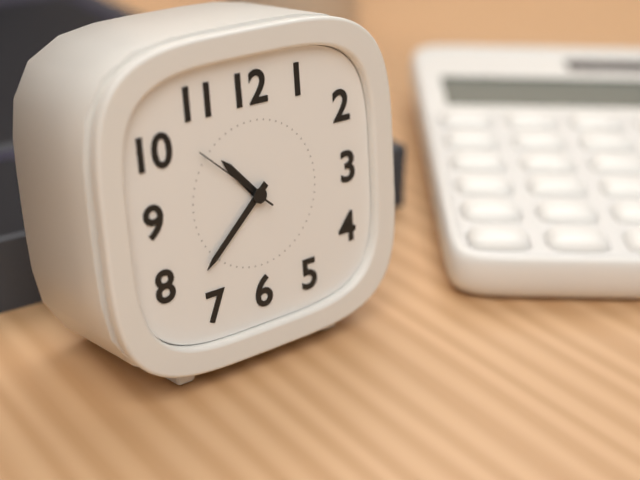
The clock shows 10.38.52
